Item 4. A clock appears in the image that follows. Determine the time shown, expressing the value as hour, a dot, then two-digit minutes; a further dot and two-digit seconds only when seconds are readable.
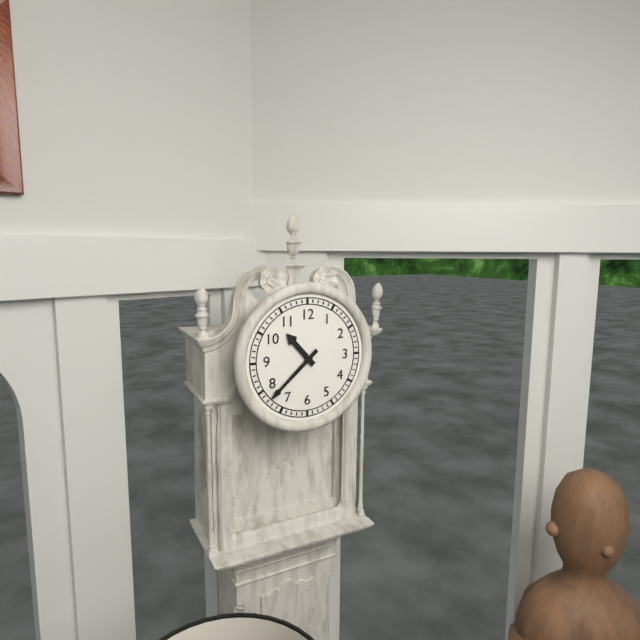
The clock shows 10.38
